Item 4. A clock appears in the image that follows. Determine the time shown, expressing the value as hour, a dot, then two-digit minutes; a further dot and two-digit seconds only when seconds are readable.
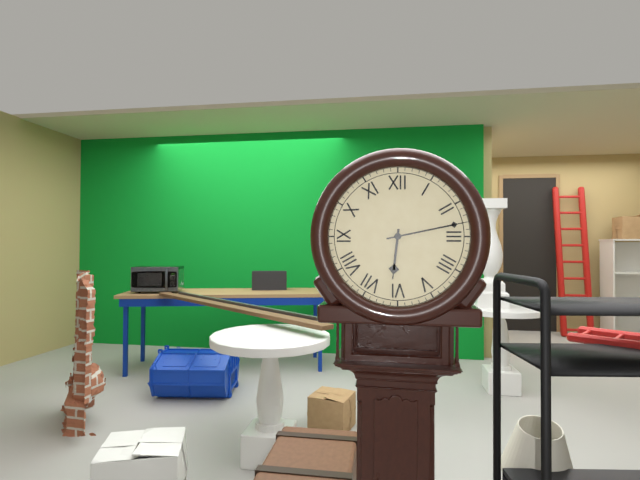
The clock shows 6.13
